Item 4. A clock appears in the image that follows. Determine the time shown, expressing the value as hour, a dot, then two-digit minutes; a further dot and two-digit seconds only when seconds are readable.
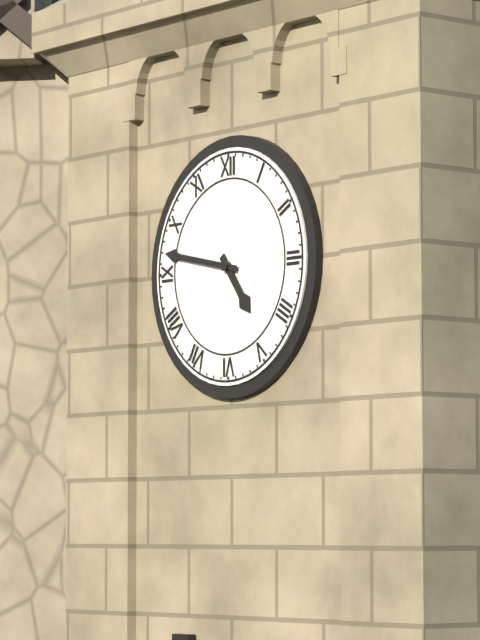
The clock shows 4.47
